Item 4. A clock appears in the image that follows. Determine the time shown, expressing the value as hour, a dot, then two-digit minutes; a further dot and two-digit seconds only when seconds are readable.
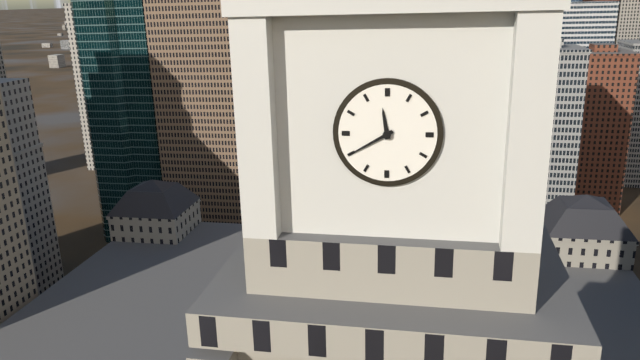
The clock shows 11.40
